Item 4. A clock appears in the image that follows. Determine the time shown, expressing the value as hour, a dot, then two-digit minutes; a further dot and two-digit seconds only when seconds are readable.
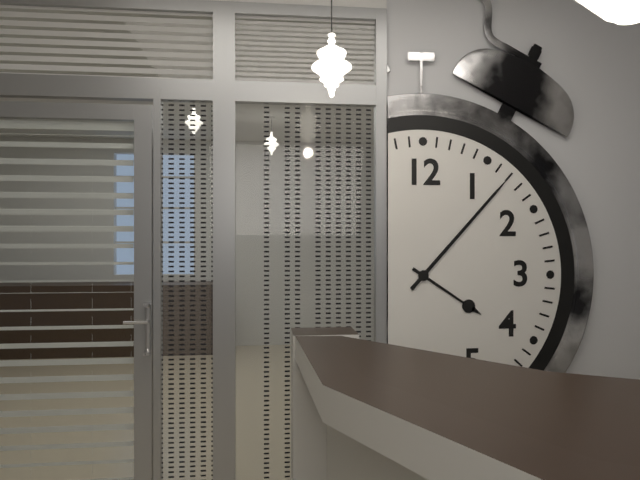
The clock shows 4.07
